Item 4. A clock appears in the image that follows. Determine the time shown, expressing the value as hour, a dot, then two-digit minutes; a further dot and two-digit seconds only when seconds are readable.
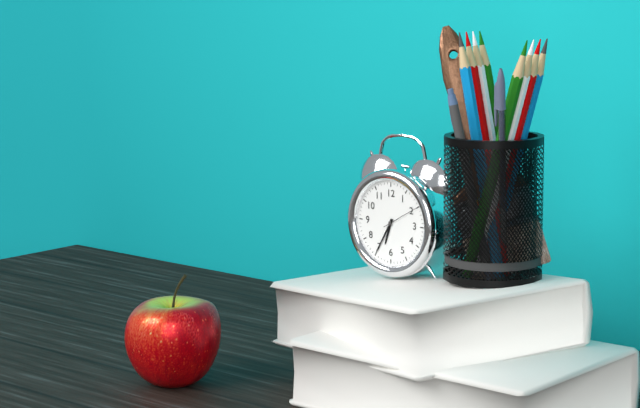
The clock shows 6.35
